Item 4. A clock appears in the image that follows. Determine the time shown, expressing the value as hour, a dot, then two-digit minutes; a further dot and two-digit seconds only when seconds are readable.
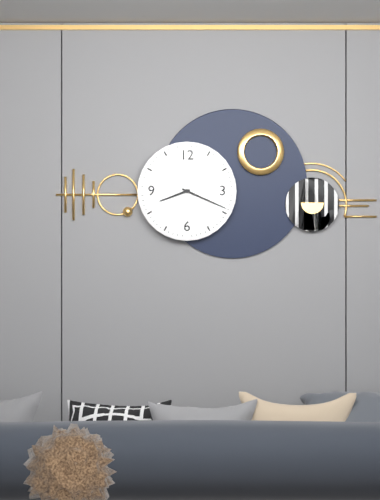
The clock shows 8.19
